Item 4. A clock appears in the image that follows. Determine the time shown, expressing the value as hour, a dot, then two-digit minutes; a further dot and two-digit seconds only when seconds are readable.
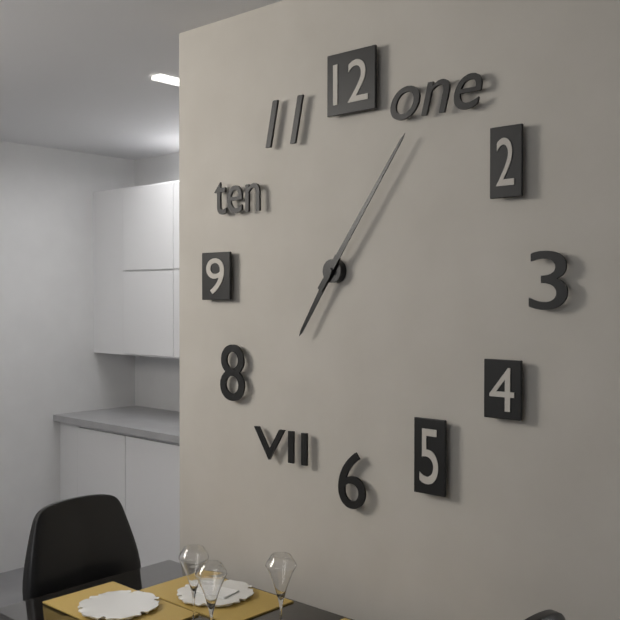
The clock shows 7.06
